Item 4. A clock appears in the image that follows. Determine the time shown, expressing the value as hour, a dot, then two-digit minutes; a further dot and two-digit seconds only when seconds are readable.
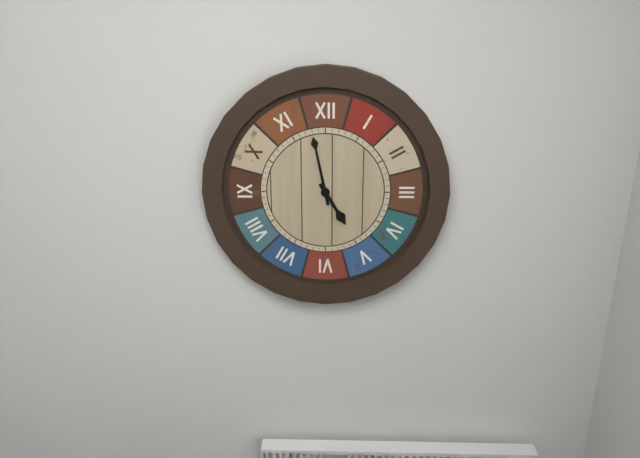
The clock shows 4.58
